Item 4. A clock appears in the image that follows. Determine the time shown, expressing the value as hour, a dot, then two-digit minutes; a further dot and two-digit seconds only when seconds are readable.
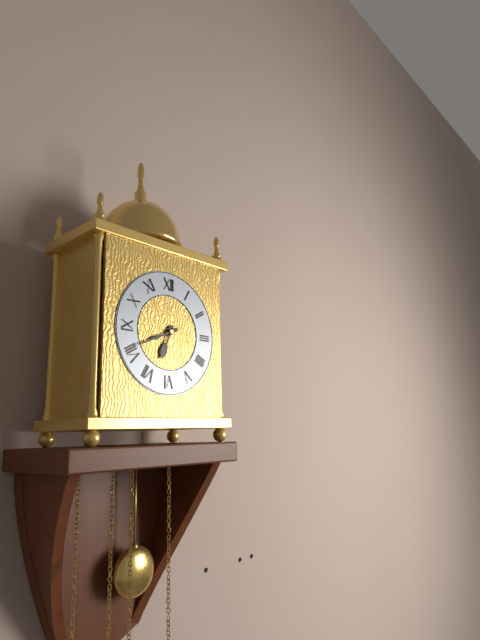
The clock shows 6.41
